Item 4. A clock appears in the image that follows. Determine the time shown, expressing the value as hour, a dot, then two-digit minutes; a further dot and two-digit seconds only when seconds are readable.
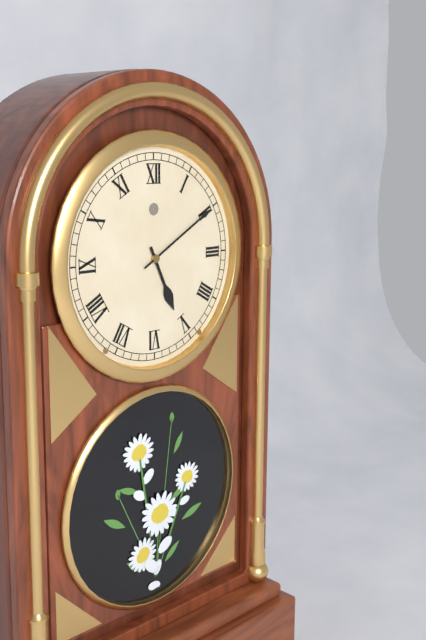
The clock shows 5.10
